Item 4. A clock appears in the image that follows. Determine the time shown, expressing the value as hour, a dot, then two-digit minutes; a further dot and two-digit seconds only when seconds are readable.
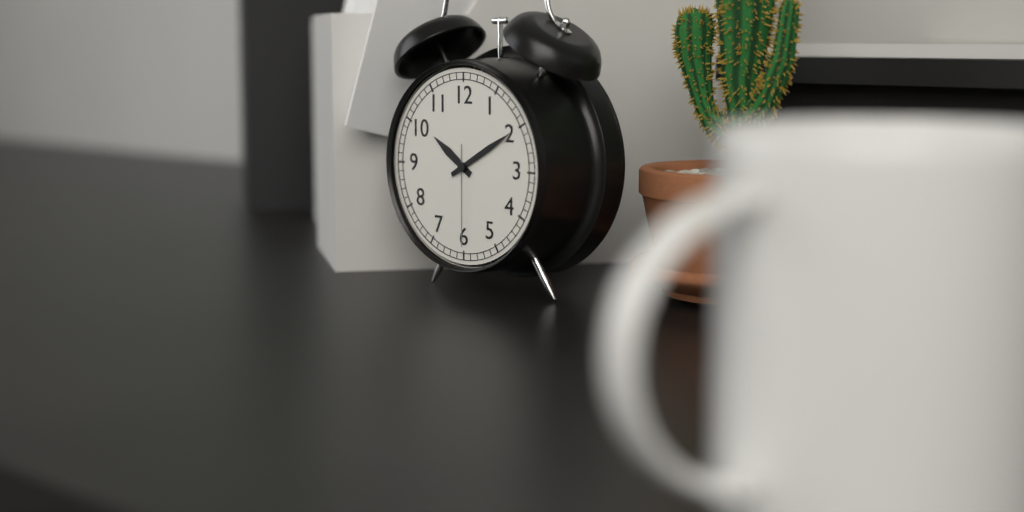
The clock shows 10.10.30
